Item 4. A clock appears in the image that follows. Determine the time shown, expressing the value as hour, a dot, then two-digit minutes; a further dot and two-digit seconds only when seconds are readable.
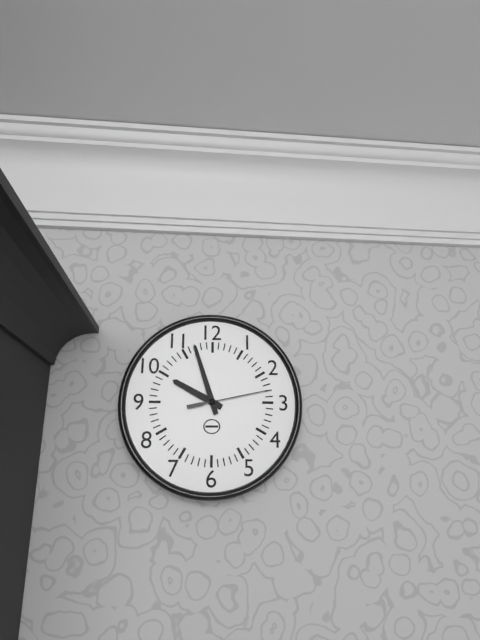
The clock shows 9.57.13
